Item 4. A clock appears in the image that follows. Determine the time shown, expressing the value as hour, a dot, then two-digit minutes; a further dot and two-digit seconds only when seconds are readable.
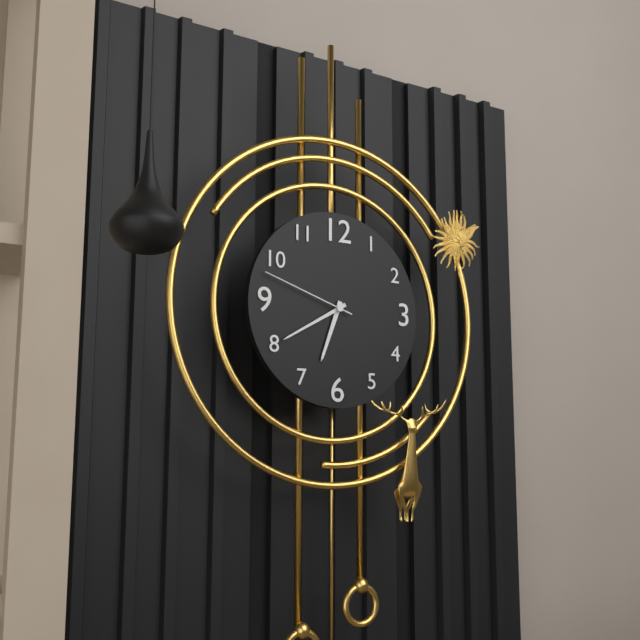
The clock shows 6.40.48
